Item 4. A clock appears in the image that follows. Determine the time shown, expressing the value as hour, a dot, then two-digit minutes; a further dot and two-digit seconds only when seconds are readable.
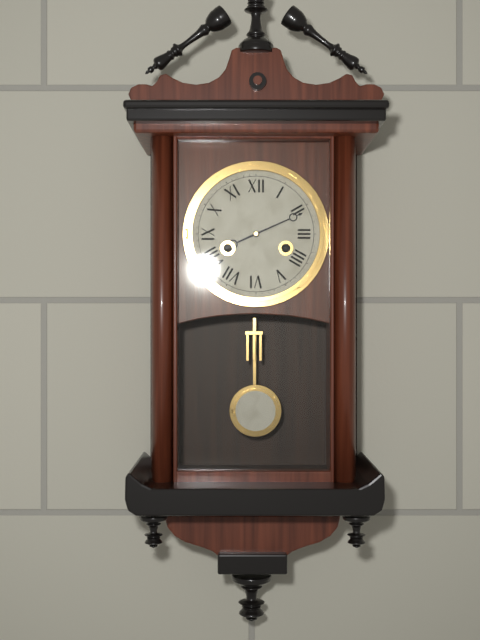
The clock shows 8.11
